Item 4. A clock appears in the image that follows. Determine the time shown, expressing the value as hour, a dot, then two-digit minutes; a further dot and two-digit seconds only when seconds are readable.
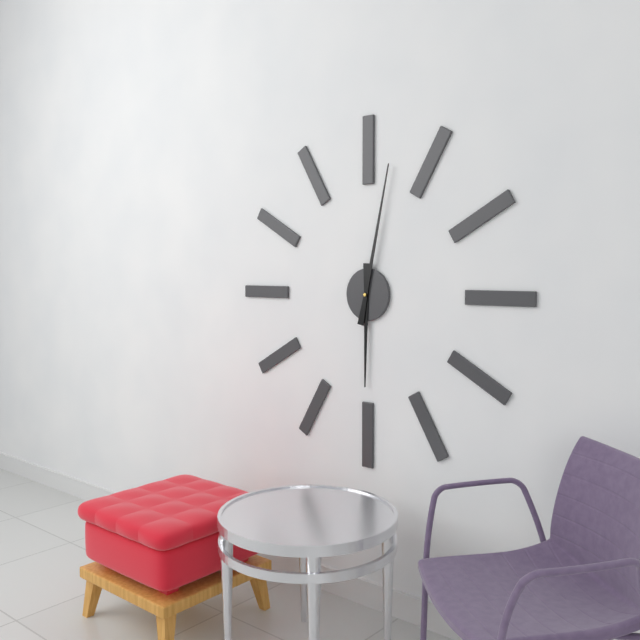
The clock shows 6.02
